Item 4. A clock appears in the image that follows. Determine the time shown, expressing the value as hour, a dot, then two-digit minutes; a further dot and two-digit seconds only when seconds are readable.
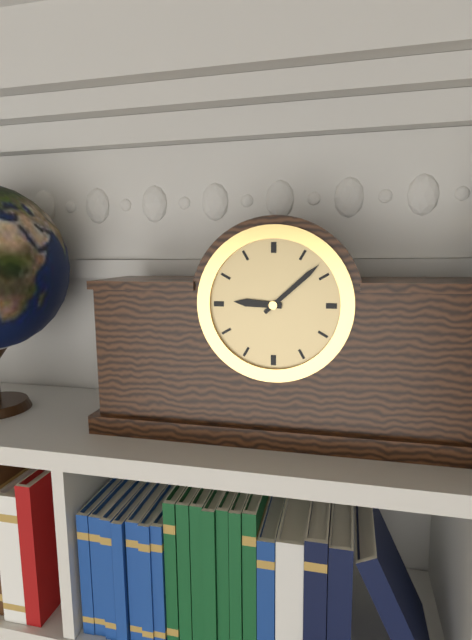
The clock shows 9.08
